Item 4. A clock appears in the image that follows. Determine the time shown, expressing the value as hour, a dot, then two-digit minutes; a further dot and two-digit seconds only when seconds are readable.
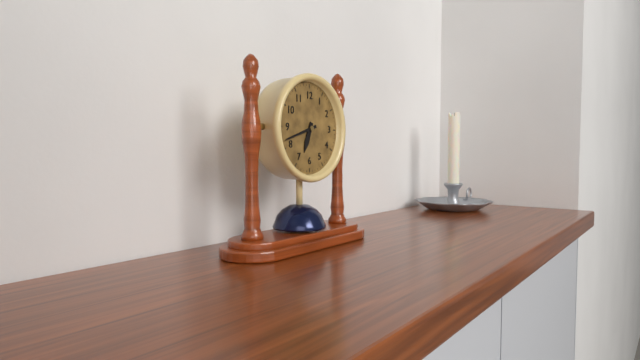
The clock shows 6.42
